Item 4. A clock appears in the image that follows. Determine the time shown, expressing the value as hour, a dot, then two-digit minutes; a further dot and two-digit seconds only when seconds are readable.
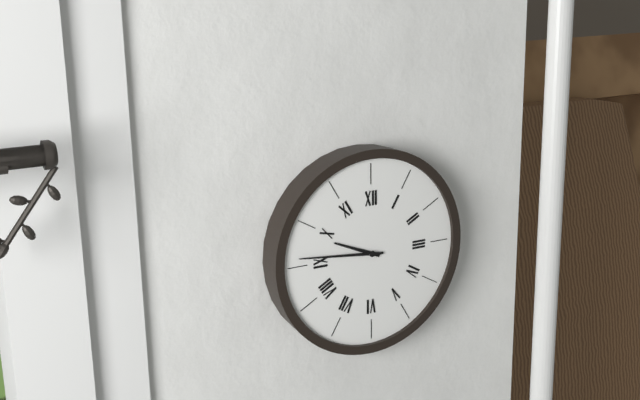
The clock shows 9.46
